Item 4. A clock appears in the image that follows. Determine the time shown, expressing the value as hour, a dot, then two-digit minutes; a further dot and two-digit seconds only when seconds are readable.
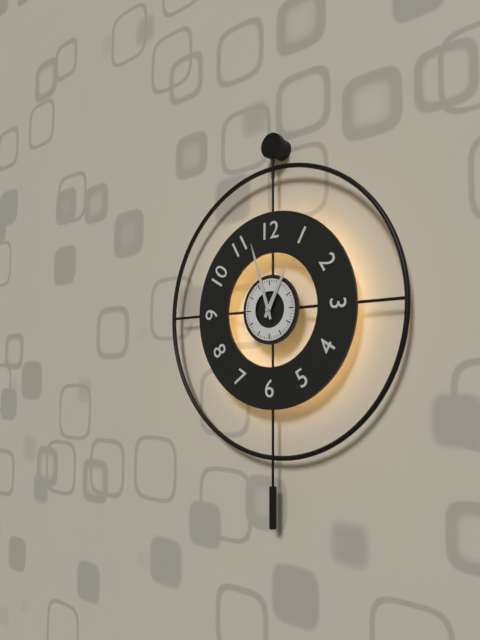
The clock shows 12.57
